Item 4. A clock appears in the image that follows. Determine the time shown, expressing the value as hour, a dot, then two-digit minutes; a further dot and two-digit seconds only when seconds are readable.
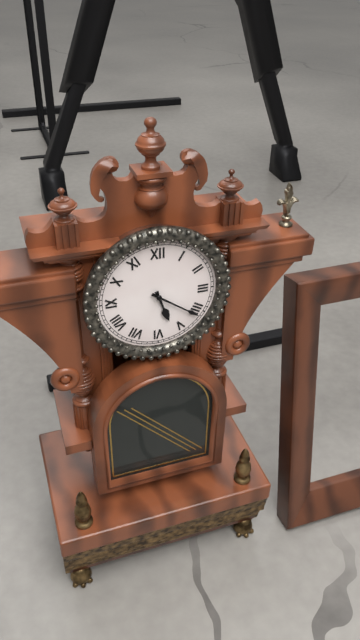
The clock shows 5.21
